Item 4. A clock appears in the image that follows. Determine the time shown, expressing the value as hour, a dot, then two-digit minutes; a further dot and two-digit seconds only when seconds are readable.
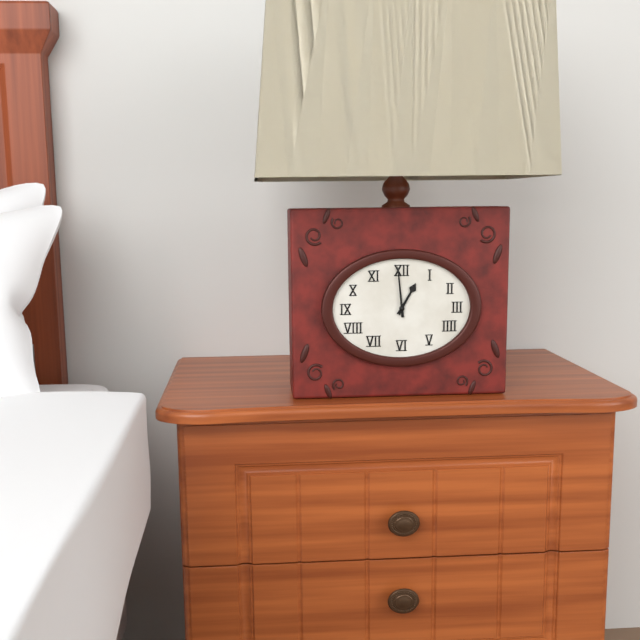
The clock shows 12.59
